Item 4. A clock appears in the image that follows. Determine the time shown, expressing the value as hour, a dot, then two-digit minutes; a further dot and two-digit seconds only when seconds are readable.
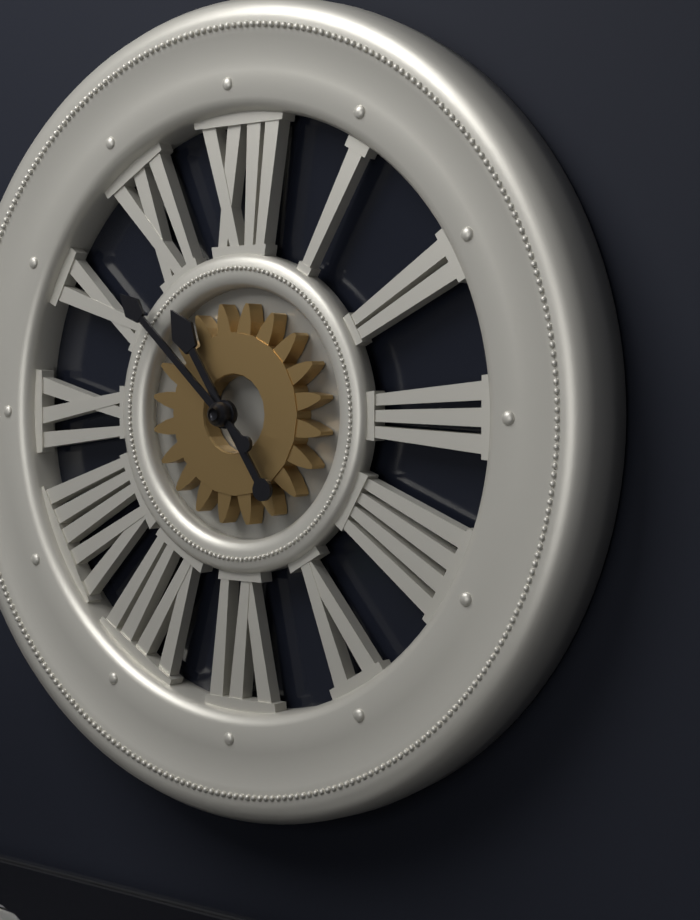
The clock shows 10.52
